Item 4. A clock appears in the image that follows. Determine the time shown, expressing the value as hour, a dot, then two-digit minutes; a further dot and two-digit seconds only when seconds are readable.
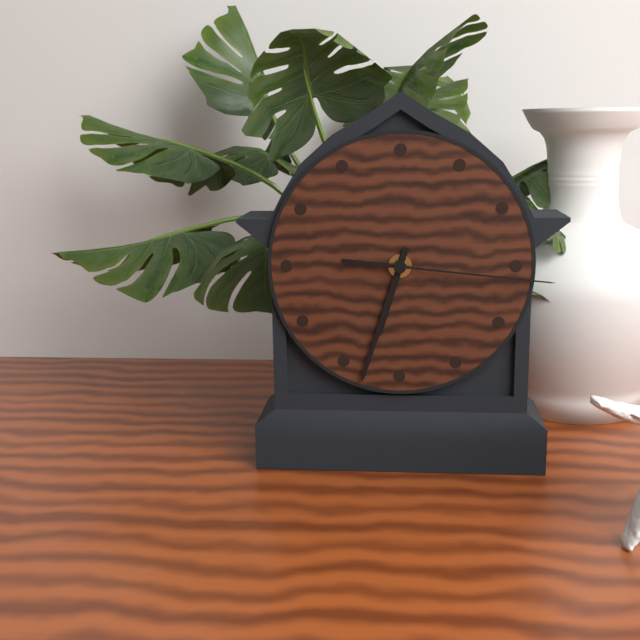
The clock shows 6.33.16
